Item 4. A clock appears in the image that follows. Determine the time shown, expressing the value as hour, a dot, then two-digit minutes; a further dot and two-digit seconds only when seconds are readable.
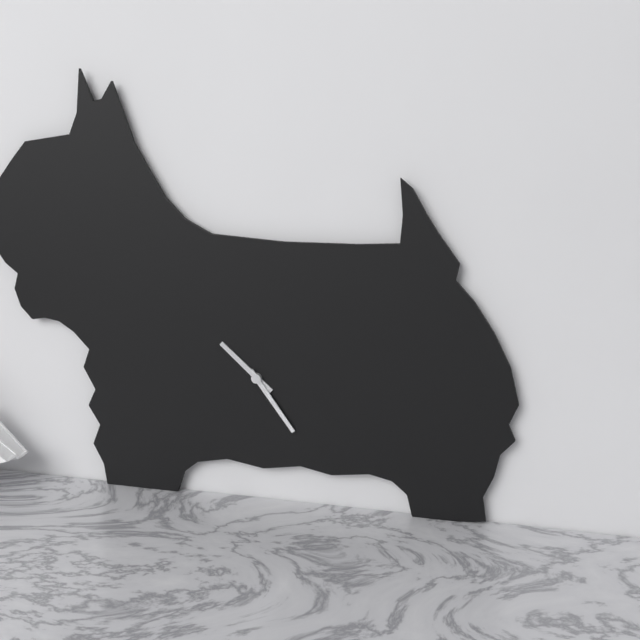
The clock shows 10.24
